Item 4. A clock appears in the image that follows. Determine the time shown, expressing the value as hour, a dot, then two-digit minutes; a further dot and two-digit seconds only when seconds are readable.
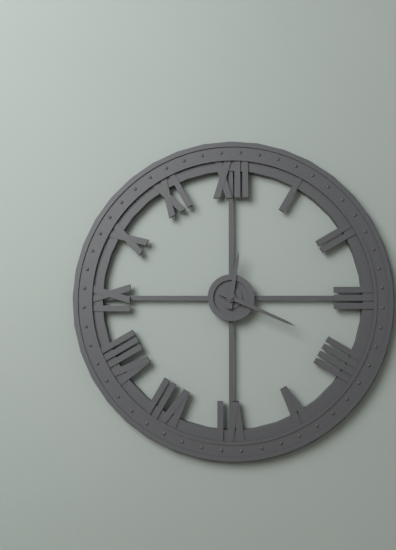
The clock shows 12.19
